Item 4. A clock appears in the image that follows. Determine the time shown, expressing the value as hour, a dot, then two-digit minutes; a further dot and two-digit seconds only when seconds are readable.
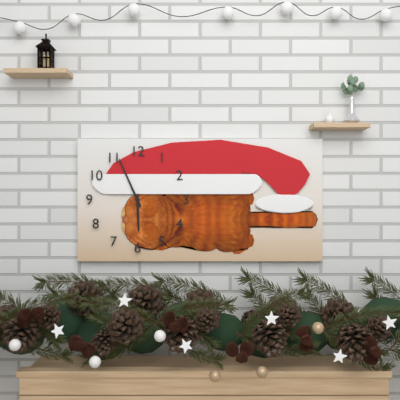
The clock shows 5.56
